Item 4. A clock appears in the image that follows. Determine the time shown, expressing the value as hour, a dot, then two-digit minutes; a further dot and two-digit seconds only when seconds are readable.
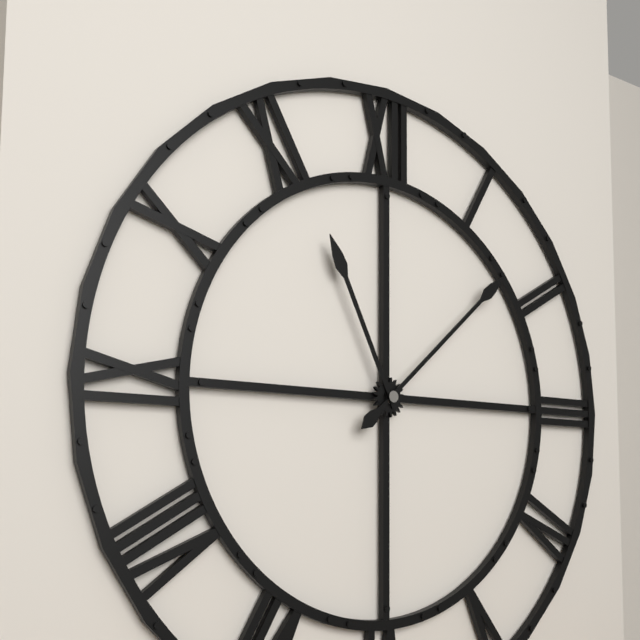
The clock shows 11.08
